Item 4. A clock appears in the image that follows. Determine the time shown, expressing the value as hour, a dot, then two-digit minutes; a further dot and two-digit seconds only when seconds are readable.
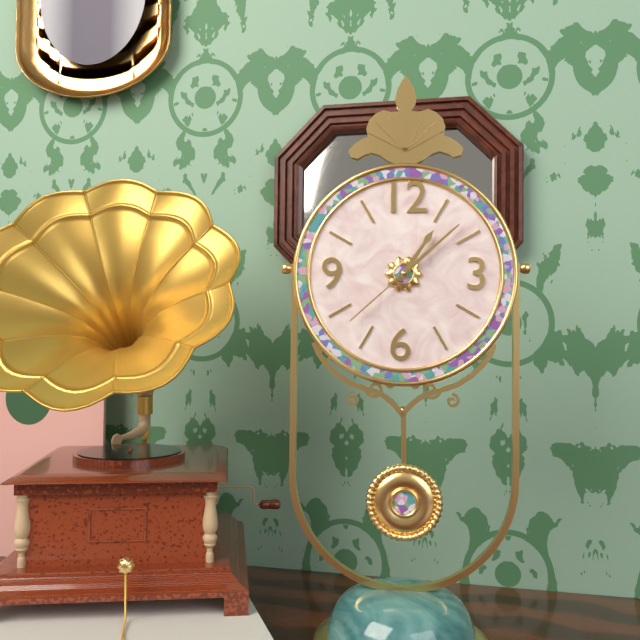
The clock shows 1.08.38
